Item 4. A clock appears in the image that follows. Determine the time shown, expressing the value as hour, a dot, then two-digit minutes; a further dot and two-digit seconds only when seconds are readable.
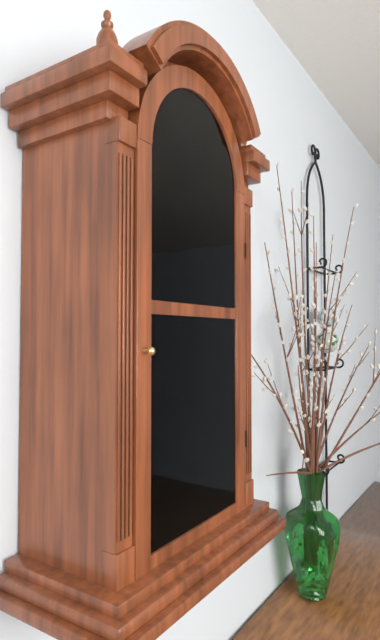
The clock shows 4.07
